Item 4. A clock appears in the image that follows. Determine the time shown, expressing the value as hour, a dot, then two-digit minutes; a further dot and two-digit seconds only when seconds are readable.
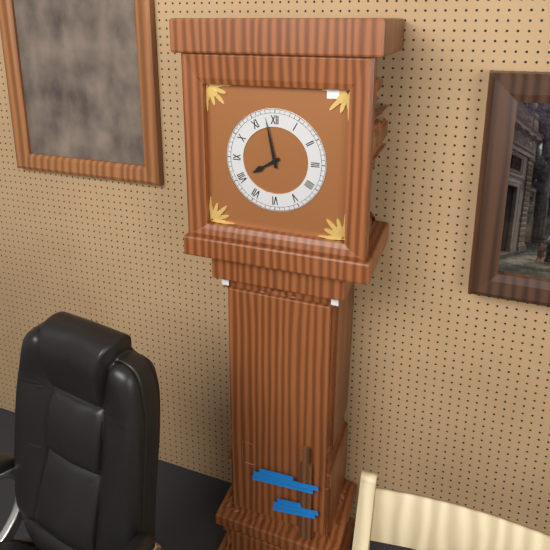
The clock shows 7.58
